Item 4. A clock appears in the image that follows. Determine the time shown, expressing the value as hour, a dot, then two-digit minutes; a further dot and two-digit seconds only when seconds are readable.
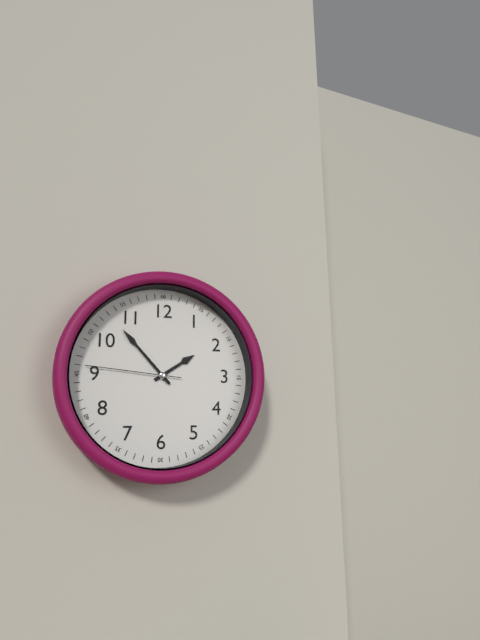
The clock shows 1.53.46
